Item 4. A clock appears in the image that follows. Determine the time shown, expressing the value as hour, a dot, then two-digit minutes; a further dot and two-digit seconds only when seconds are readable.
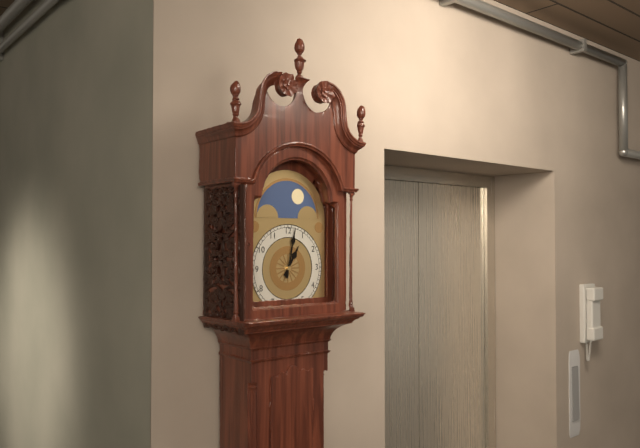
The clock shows 1.02
